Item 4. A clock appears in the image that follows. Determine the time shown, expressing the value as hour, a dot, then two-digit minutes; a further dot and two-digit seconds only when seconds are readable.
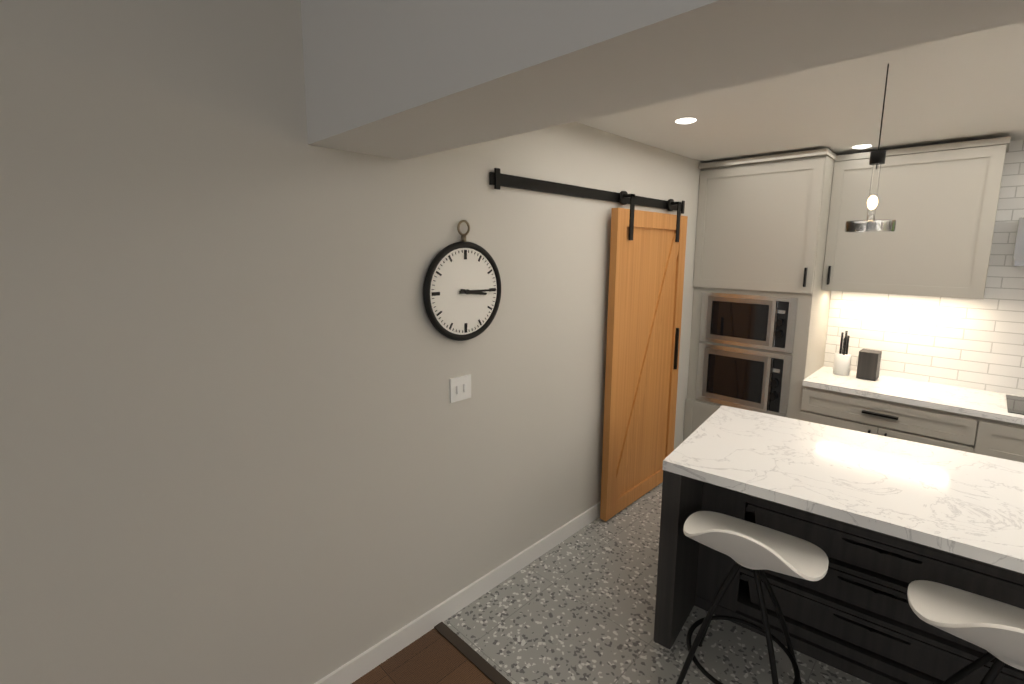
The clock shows 3.15
